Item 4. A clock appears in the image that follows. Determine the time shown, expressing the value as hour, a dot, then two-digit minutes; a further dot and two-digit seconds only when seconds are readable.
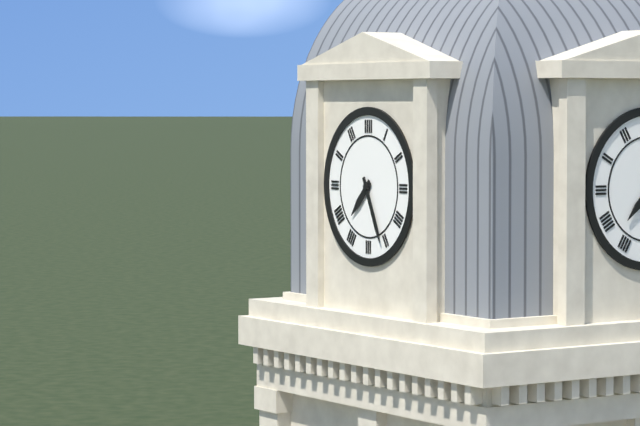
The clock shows 7.26
